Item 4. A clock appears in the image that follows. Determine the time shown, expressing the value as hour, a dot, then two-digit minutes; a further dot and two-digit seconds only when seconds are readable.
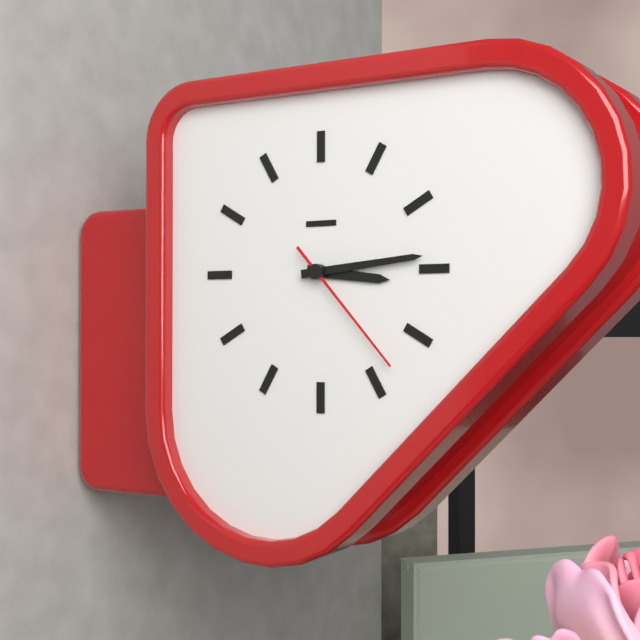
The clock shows 3.14.23
